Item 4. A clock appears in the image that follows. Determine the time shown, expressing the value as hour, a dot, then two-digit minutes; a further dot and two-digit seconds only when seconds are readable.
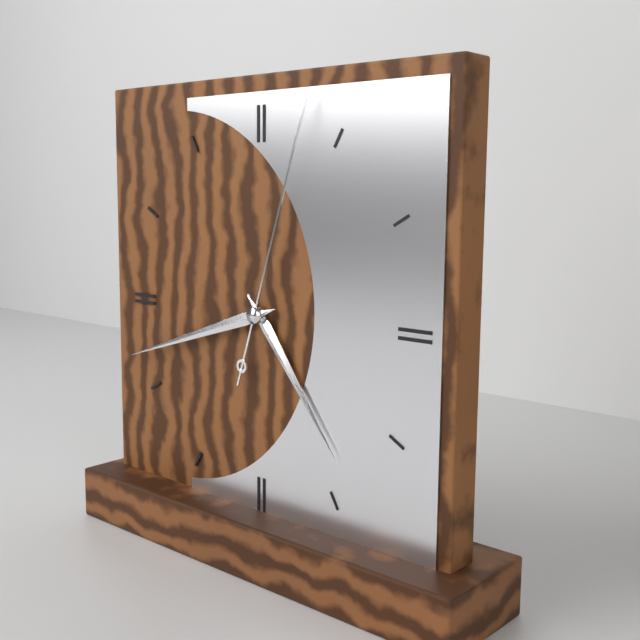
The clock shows 4.42.03
